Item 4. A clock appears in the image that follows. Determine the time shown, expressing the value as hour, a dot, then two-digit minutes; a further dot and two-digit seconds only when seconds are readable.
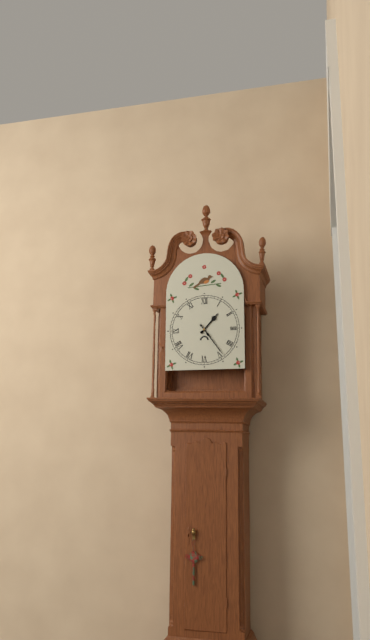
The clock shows 1.24
